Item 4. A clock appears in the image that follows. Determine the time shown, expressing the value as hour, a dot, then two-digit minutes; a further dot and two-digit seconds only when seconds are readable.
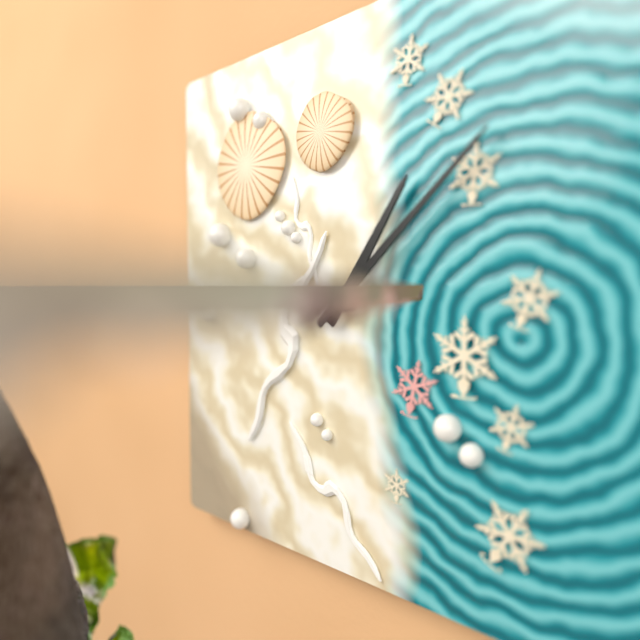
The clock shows 1.08
